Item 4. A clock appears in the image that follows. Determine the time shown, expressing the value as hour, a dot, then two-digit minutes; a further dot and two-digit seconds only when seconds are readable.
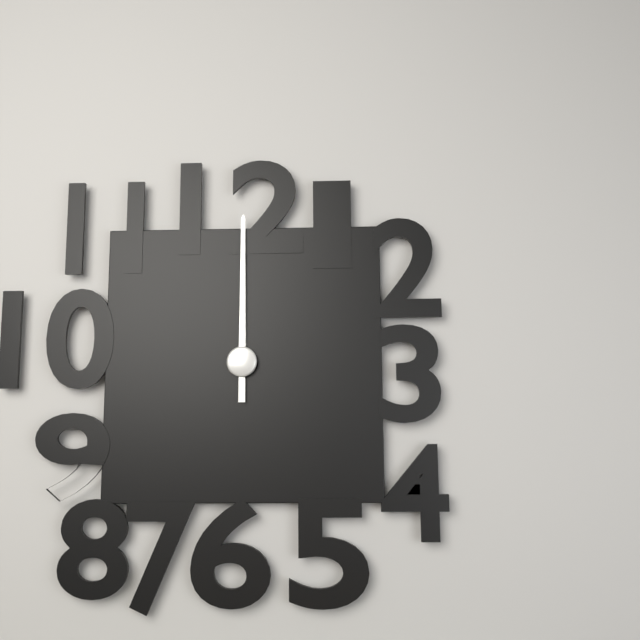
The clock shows 12.00
